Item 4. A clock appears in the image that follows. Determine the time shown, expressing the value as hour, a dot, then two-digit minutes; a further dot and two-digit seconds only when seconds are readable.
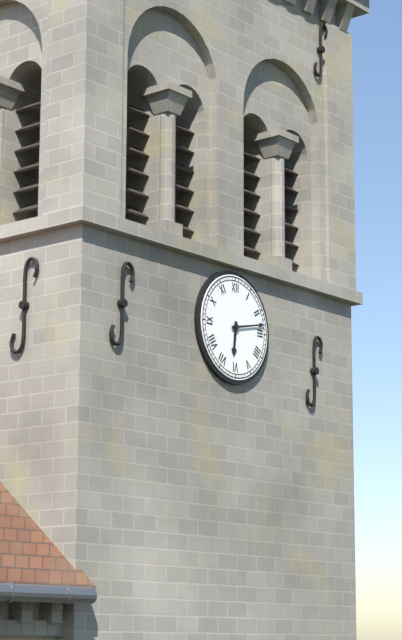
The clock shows 6.13
